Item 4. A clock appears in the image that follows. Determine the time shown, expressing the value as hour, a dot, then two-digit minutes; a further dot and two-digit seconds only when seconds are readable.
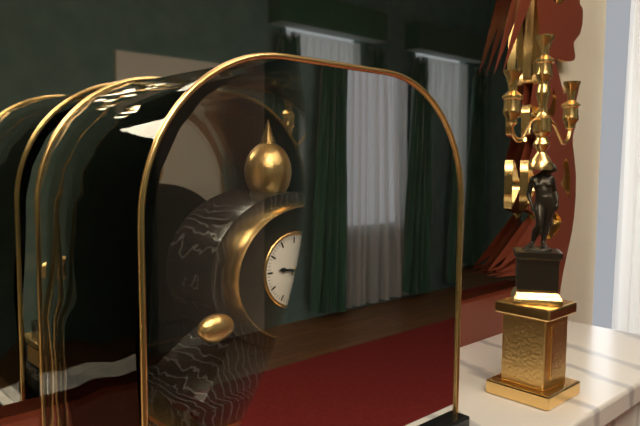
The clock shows 9.12
